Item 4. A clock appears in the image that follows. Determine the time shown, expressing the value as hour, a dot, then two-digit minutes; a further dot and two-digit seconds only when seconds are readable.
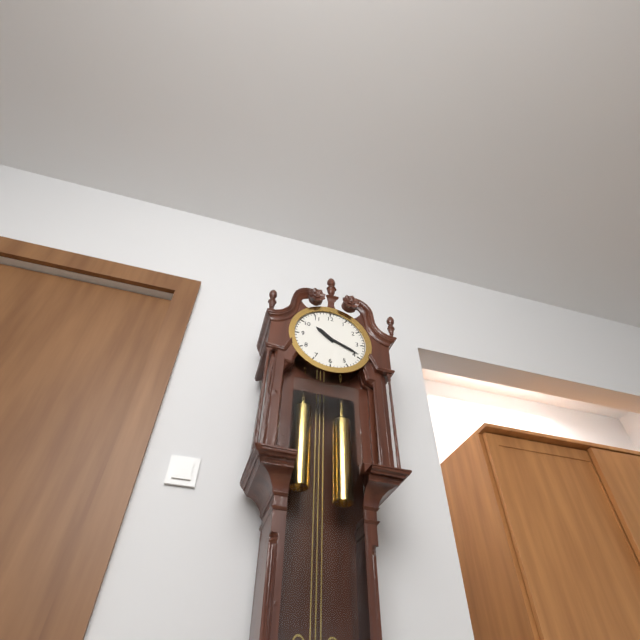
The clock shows 10.19
